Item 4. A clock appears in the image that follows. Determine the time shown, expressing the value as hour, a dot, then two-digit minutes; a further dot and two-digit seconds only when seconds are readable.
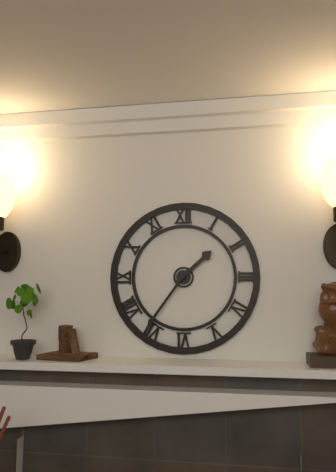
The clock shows 1.36
